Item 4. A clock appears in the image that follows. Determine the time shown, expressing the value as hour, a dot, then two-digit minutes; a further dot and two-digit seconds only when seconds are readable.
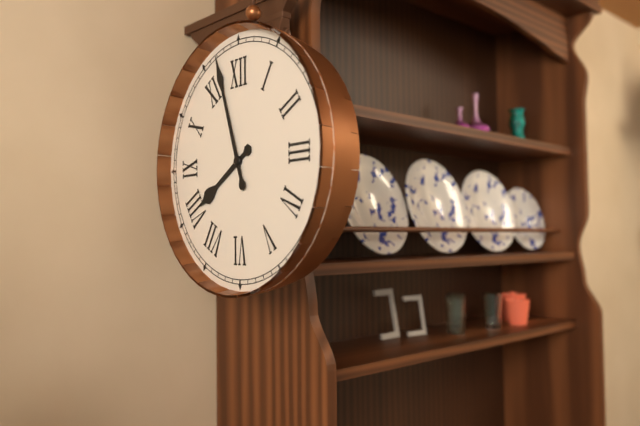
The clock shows 7.57
